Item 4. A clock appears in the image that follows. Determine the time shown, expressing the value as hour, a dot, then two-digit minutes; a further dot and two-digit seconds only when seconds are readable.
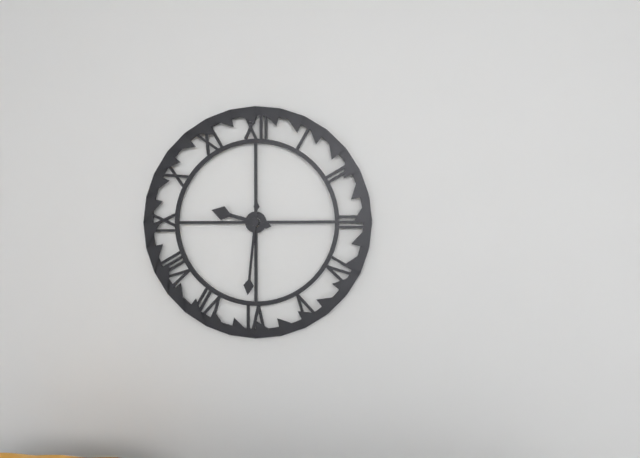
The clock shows 9.31
